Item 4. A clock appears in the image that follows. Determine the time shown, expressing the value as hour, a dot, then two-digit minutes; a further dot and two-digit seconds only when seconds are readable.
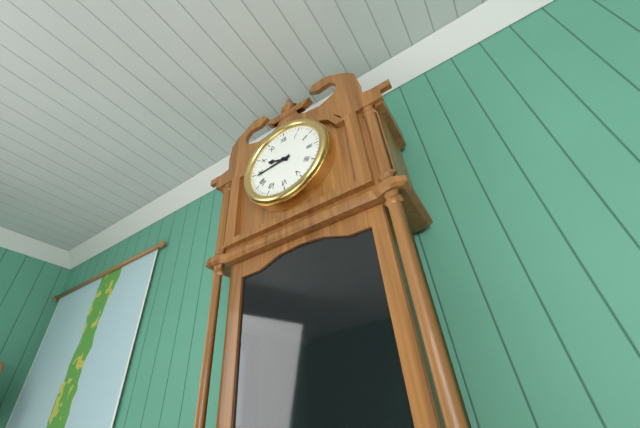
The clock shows 9.44
